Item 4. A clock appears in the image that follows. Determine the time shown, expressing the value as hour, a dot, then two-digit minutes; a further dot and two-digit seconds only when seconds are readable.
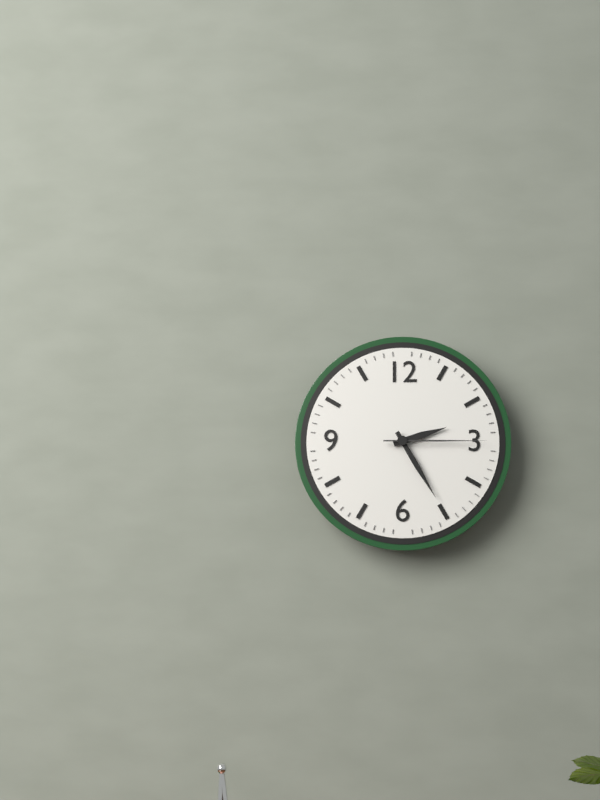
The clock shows 2.25.15
